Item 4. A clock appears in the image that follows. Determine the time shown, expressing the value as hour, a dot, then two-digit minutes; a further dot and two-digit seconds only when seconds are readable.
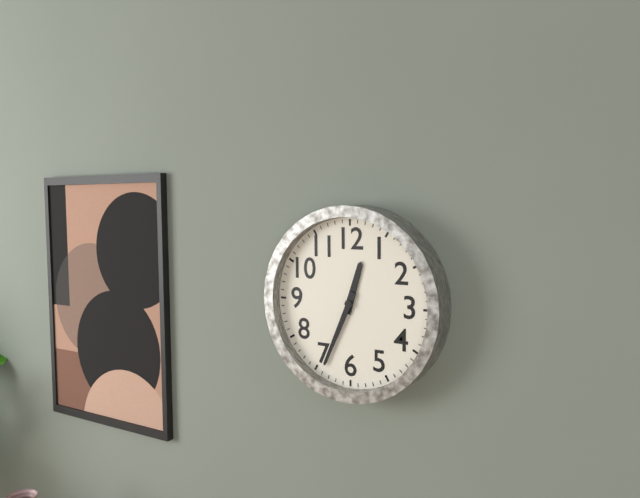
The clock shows 12.34
